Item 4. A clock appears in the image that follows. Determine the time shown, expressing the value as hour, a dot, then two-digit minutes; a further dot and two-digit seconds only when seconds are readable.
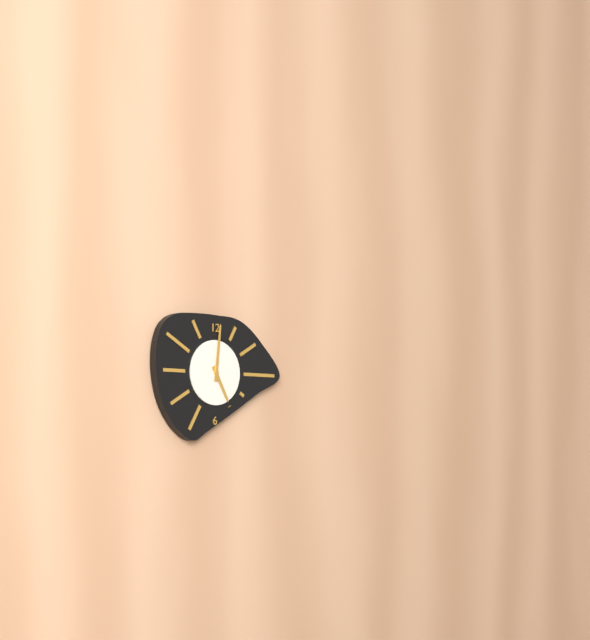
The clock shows 5.01
